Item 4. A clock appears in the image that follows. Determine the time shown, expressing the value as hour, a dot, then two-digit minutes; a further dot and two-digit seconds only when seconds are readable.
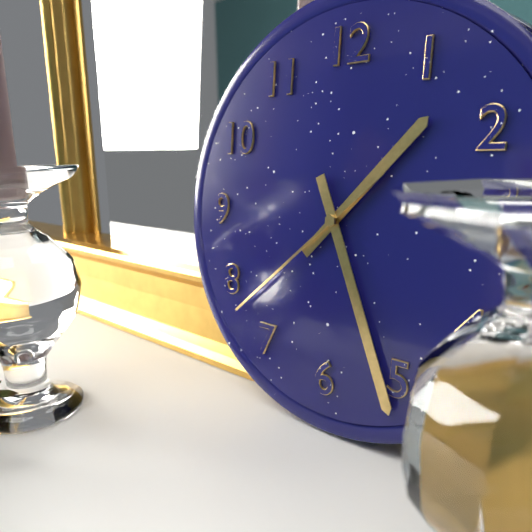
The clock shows 1.26.38
